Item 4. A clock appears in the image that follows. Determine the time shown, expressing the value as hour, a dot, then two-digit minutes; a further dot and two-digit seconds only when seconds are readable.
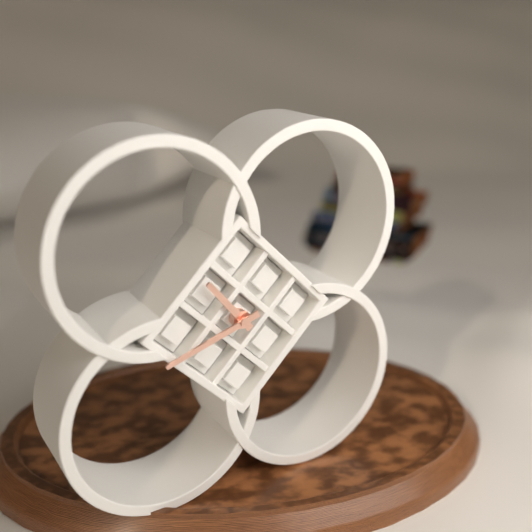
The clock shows 10.42
